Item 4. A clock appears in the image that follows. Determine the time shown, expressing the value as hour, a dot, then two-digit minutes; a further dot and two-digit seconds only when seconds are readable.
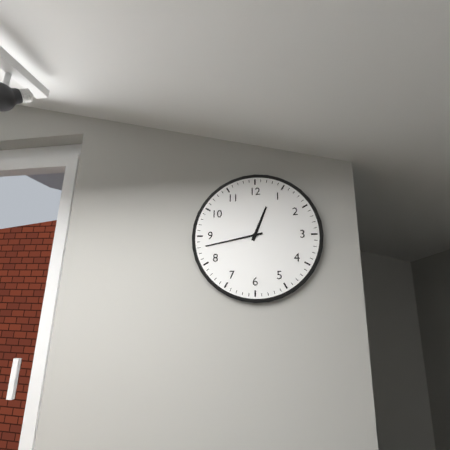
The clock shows 12.43
